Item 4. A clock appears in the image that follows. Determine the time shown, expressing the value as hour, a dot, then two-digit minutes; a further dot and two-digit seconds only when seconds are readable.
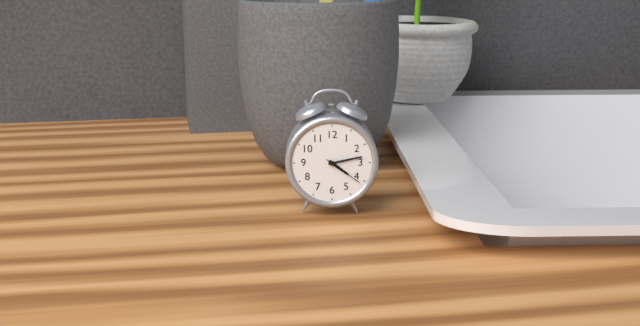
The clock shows 4.13
